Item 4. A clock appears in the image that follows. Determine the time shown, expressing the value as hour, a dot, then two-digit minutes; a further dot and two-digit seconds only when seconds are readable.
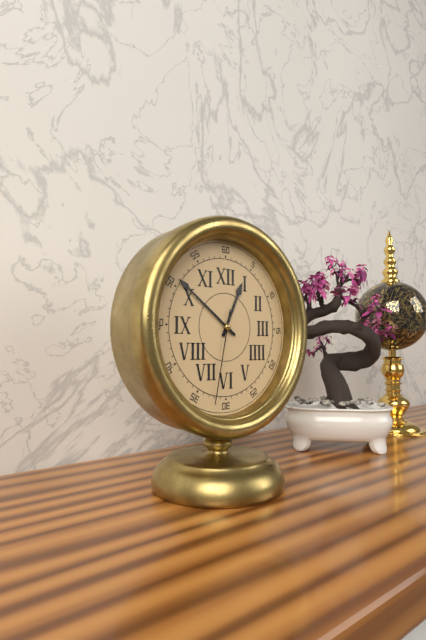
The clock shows 12.51.32
